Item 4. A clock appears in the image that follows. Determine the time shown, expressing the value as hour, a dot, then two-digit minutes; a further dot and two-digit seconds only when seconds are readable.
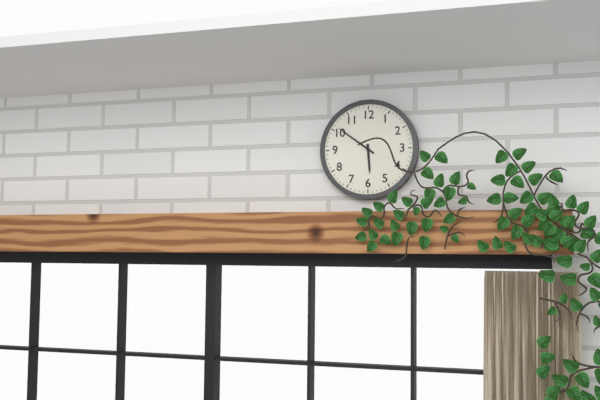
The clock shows 5.51
